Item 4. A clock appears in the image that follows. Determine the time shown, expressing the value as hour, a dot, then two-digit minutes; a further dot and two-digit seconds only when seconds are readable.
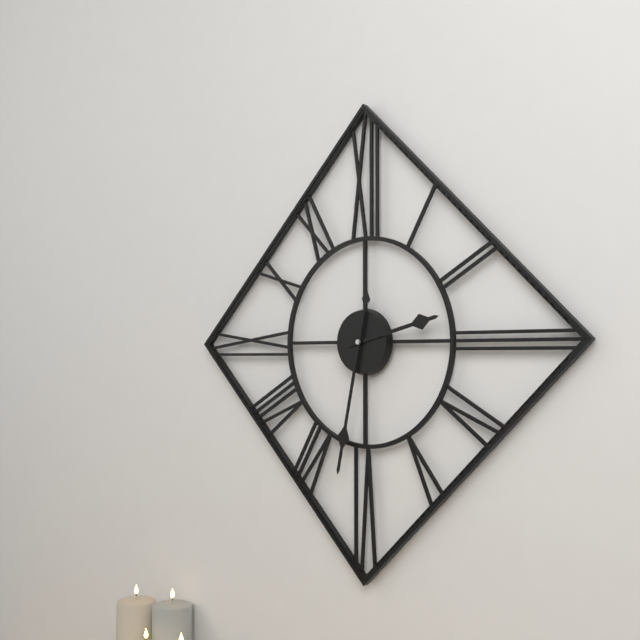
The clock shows 2.32
